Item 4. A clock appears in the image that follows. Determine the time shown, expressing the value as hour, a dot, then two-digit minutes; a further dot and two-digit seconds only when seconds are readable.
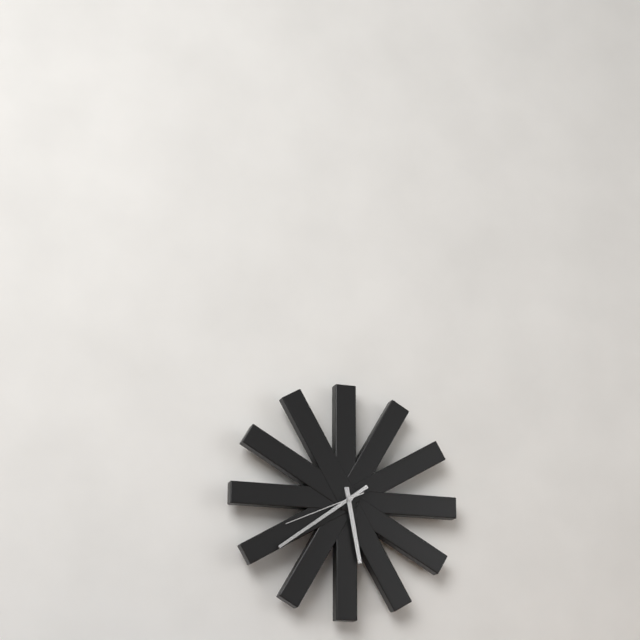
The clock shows 5.39.41
